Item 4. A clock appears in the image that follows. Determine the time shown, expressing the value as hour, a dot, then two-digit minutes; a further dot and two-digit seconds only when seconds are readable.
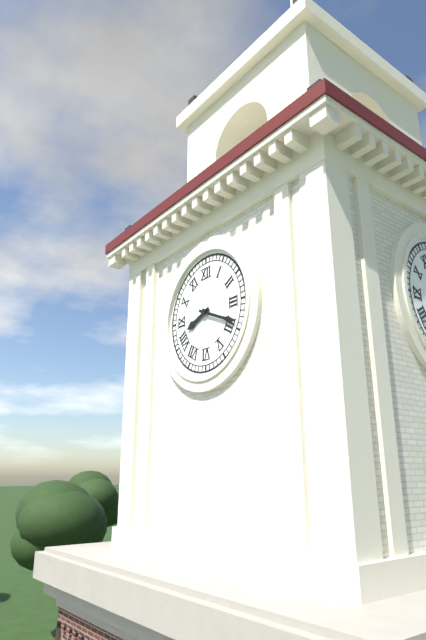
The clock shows 8.19
